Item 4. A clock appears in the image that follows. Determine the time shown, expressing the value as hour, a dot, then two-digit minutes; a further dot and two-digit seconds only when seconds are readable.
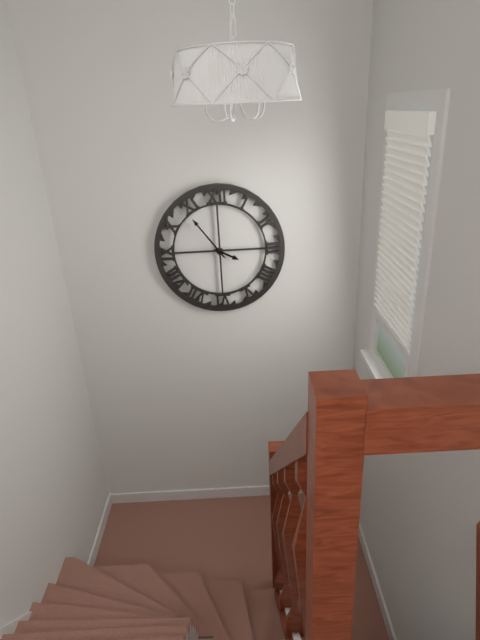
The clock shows 3.54
